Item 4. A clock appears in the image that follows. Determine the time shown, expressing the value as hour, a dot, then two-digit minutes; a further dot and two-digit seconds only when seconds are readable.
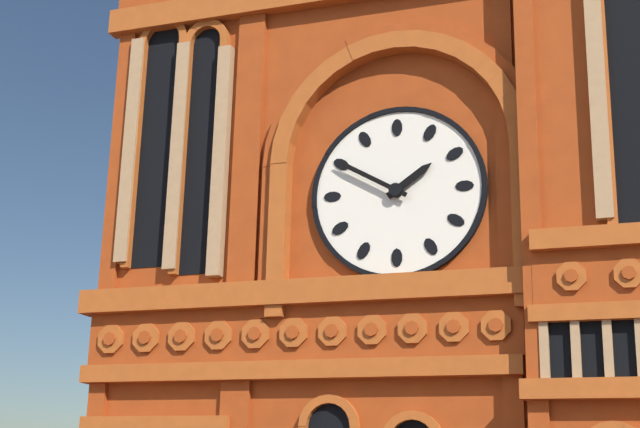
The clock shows 1.50
